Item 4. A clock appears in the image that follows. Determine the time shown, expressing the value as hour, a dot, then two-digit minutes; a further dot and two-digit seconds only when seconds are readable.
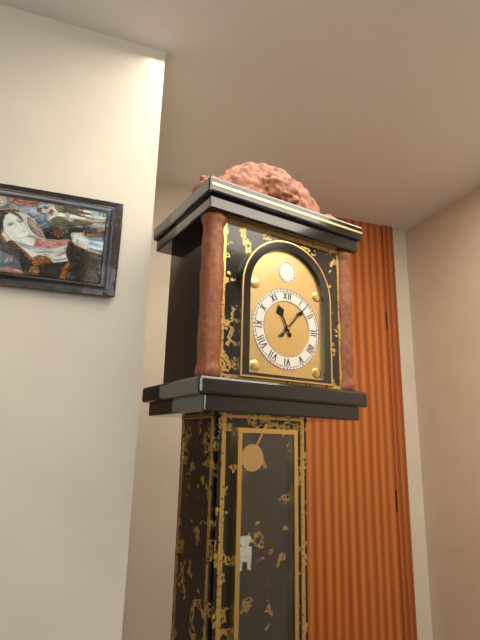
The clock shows 11.07
